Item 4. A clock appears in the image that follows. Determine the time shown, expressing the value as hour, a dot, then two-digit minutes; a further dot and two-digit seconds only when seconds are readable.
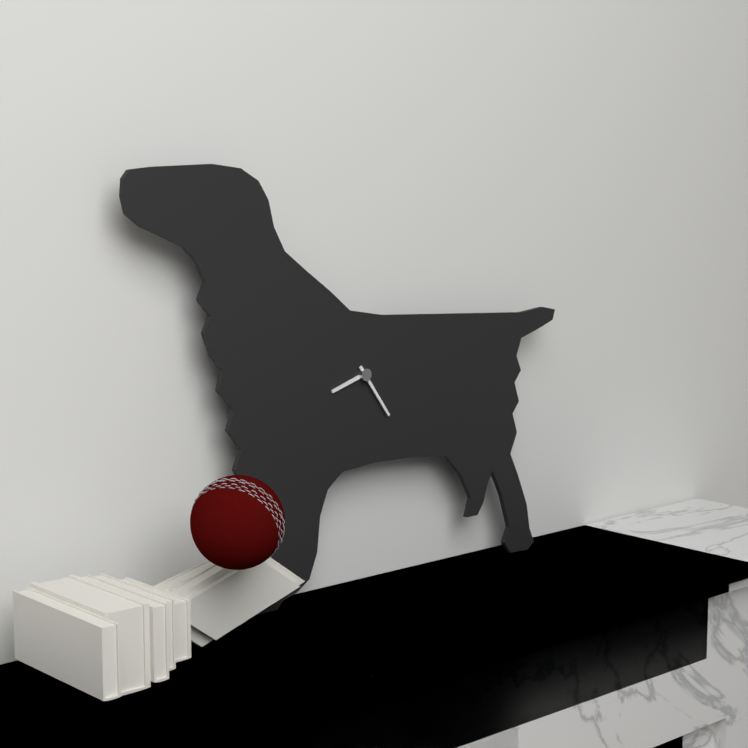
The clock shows 8.24
